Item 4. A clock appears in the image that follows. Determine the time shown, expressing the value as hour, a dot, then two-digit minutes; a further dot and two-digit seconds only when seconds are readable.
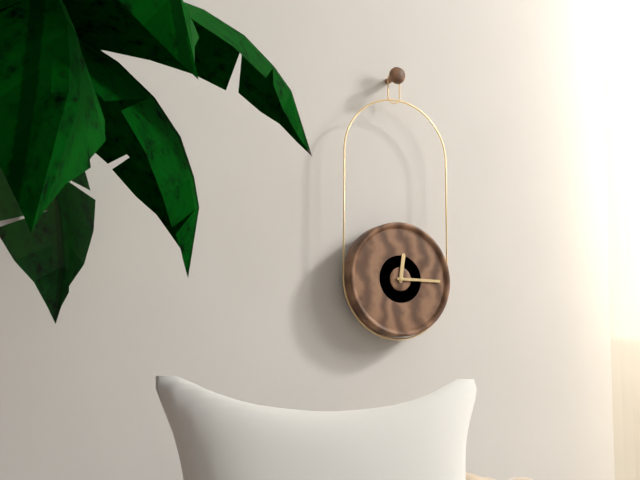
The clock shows 12.15
